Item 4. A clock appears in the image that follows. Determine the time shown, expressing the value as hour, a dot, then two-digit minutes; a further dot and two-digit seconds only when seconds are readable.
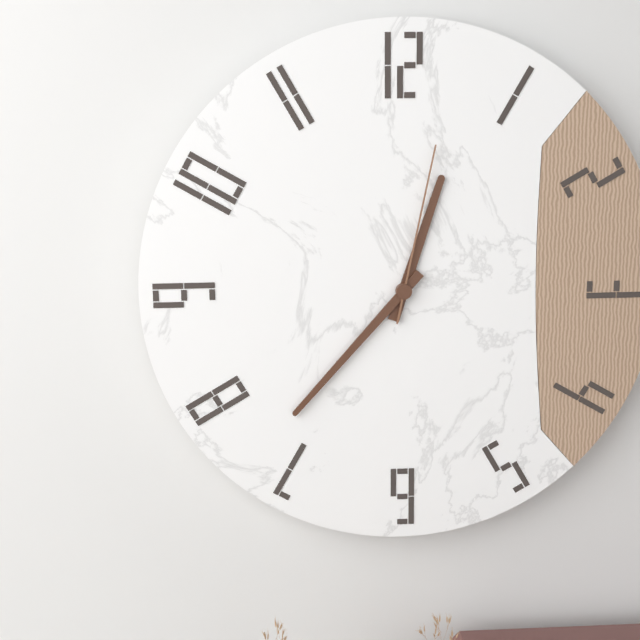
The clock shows 12.37.02
